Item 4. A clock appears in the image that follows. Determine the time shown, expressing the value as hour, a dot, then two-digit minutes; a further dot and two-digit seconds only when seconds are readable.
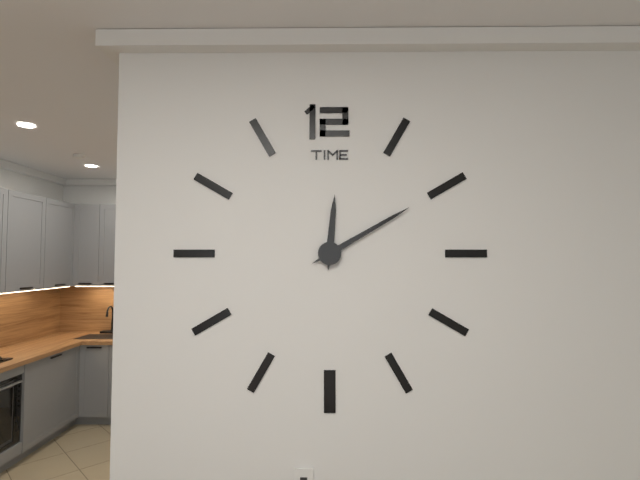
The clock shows 12.10
